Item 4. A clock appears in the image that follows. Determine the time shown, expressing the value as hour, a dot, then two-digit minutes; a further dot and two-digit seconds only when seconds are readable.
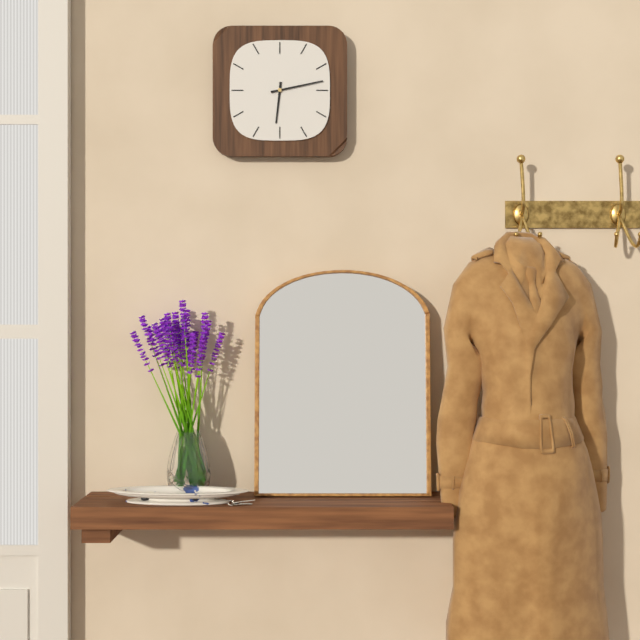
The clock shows 6.13
